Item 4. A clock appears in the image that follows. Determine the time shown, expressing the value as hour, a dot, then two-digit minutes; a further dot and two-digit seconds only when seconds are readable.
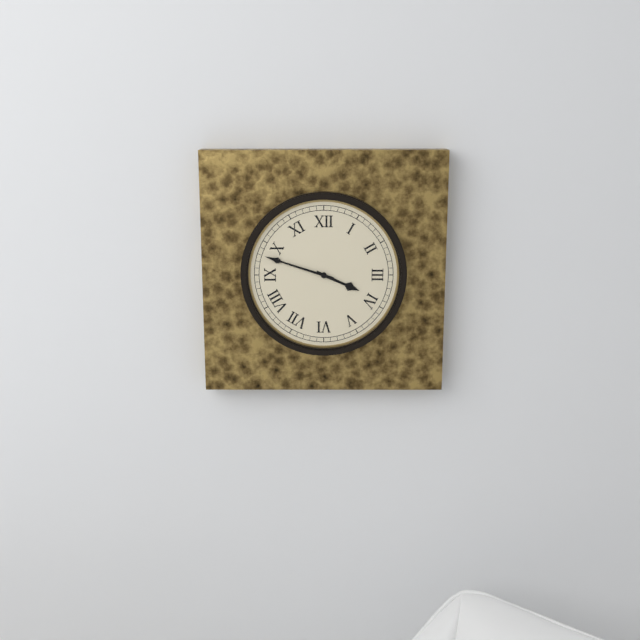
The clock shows 3.48
